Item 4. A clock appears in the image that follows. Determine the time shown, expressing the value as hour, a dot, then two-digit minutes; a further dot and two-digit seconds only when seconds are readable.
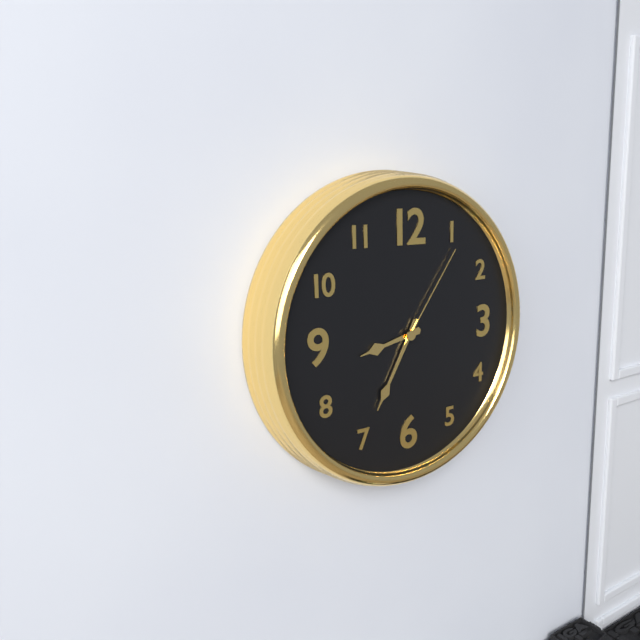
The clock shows 8.35.06
